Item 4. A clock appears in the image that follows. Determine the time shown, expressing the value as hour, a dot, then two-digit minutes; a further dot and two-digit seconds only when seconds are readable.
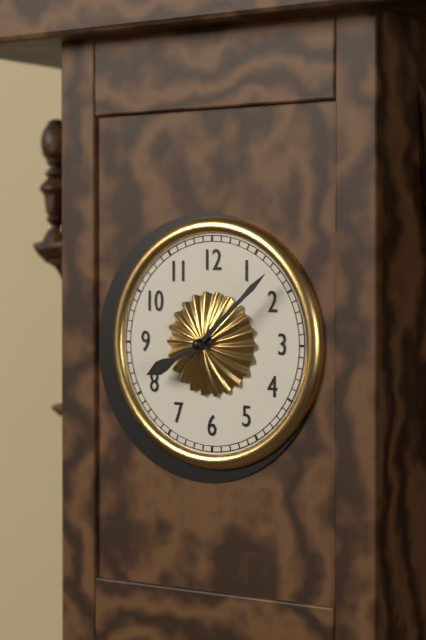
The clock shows 8.08
